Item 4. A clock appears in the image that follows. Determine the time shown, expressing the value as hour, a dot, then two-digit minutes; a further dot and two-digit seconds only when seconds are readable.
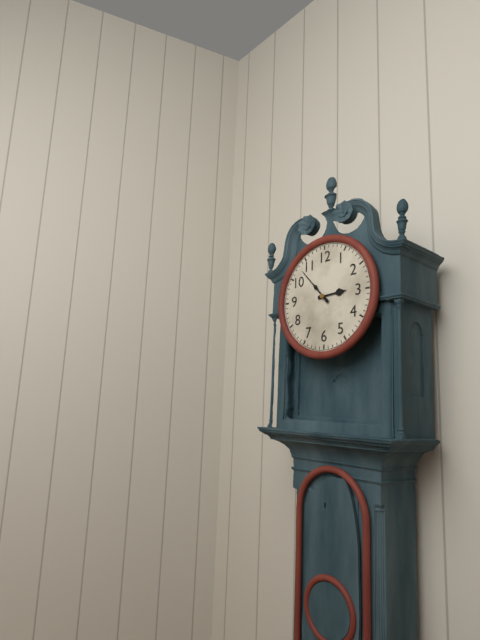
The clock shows 2.53
